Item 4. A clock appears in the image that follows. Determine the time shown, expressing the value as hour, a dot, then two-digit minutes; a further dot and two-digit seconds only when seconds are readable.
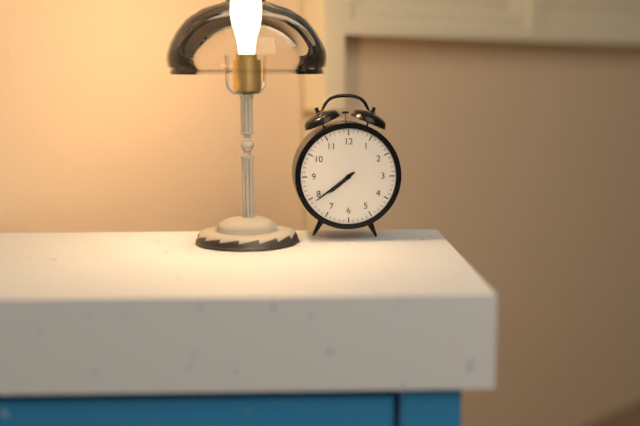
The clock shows 7.39
